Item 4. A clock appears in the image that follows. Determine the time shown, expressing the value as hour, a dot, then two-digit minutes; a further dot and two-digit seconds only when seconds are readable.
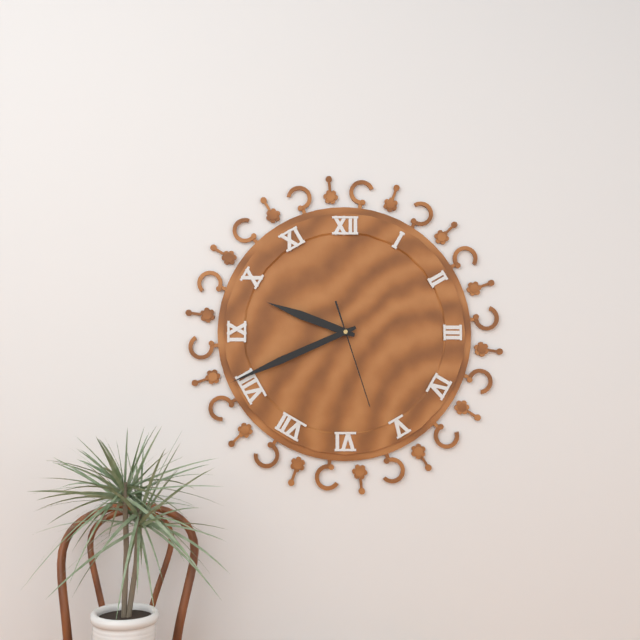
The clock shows 9.41.27
